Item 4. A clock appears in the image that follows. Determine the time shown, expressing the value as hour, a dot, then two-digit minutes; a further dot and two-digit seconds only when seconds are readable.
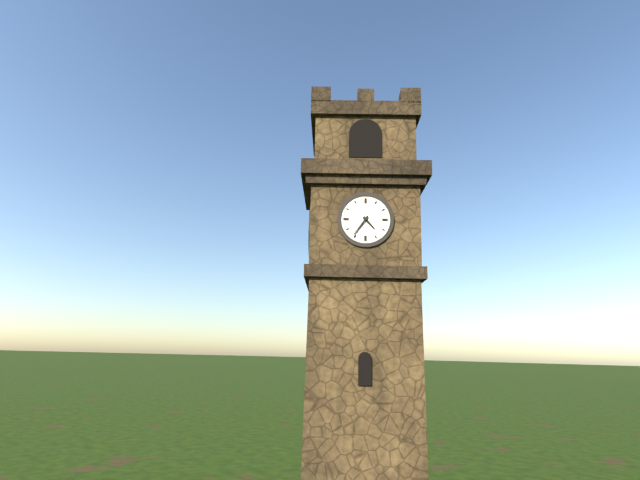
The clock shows 4.36
